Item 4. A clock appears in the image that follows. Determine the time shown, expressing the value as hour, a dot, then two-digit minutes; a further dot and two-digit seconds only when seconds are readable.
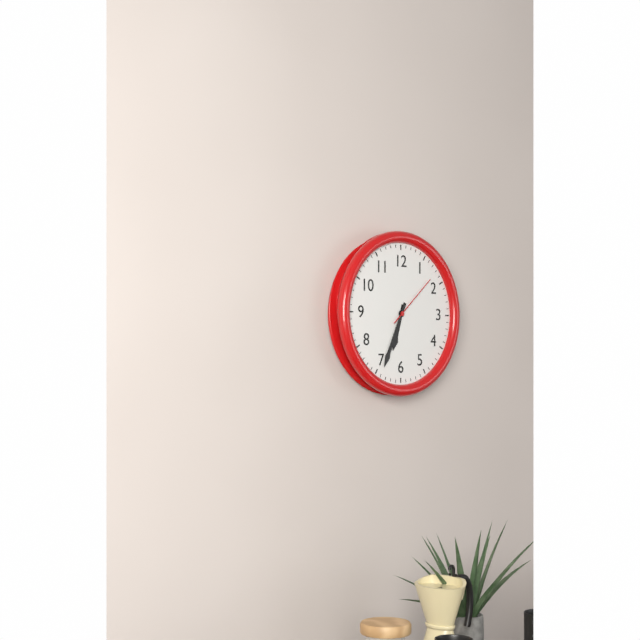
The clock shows 6.34.08
